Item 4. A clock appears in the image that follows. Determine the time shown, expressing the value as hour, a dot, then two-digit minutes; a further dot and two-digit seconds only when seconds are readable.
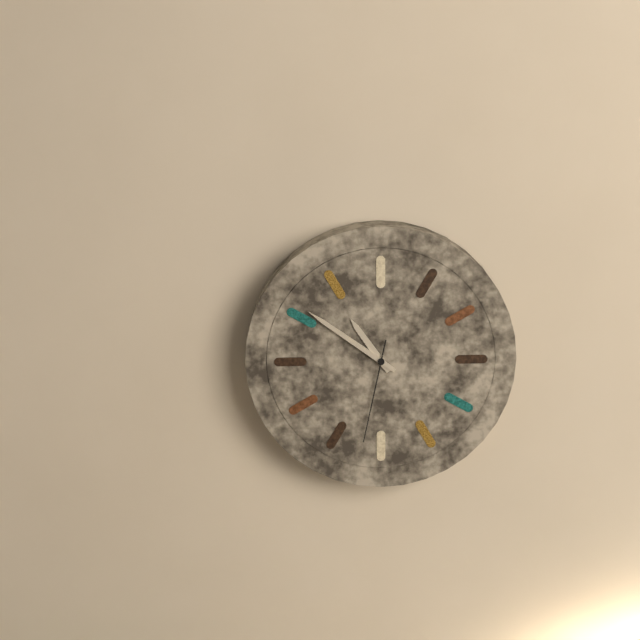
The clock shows 10.51.32
